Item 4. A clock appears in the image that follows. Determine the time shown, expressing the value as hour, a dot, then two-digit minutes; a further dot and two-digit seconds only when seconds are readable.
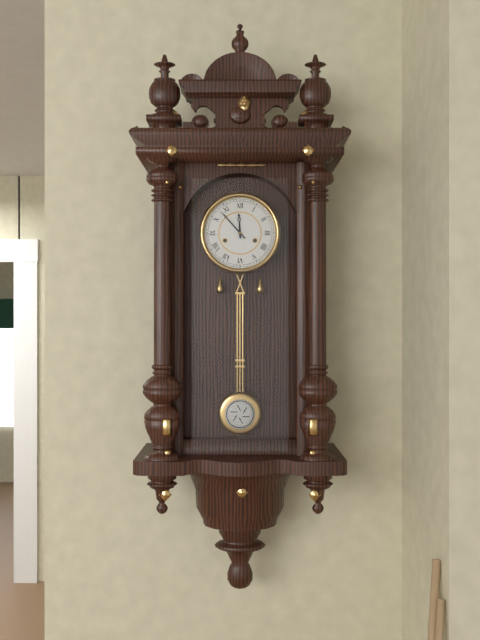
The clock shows 11.53
